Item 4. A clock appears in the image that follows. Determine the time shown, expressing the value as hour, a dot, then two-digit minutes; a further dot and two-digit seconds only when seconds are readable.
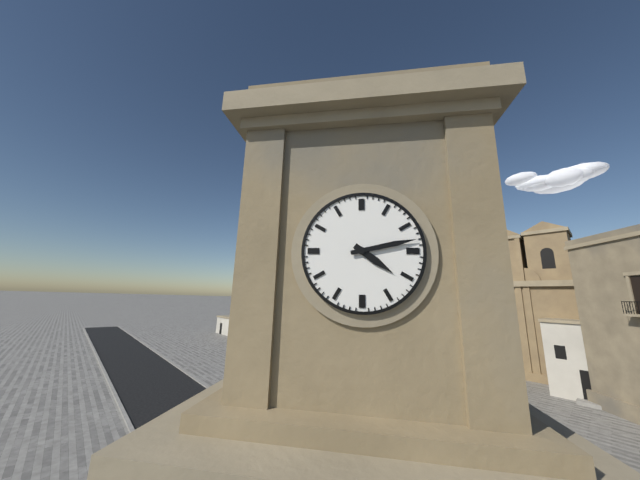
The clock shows 4.13
